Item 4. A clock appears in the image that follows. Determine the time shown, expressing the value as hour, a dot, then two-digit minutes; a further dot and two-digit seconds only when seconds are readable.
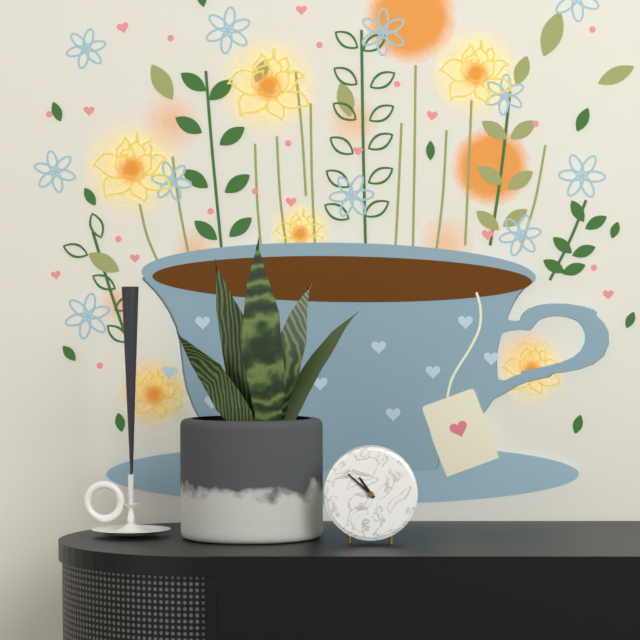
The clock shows 10.52
